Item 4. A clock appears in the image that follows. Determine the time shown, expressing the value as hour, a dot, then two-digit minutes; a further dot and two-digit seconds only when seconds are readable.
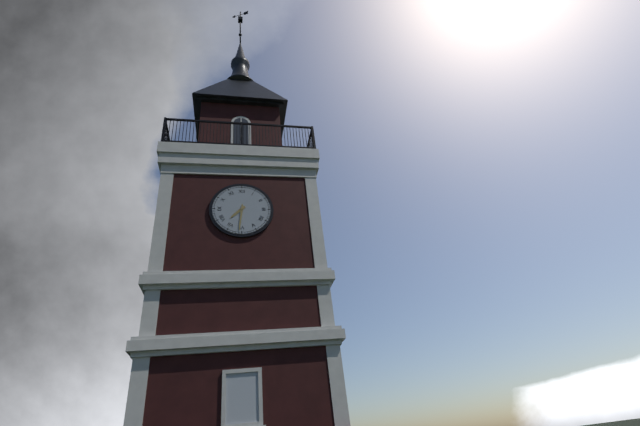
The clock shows 7.31
